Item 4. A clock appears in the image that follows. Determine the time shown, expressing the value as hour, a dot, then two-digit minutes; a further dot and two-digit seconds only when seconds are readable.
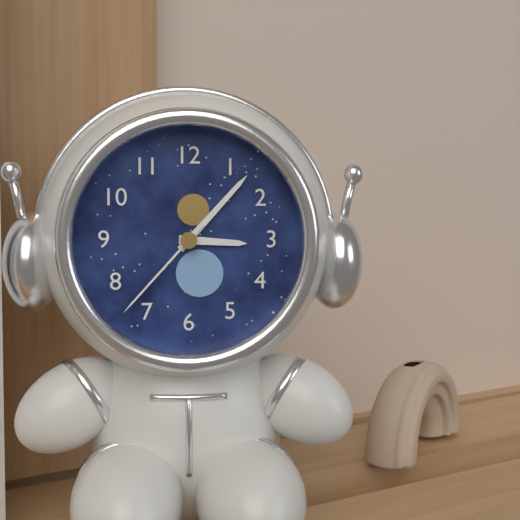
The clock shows 3.07.37
